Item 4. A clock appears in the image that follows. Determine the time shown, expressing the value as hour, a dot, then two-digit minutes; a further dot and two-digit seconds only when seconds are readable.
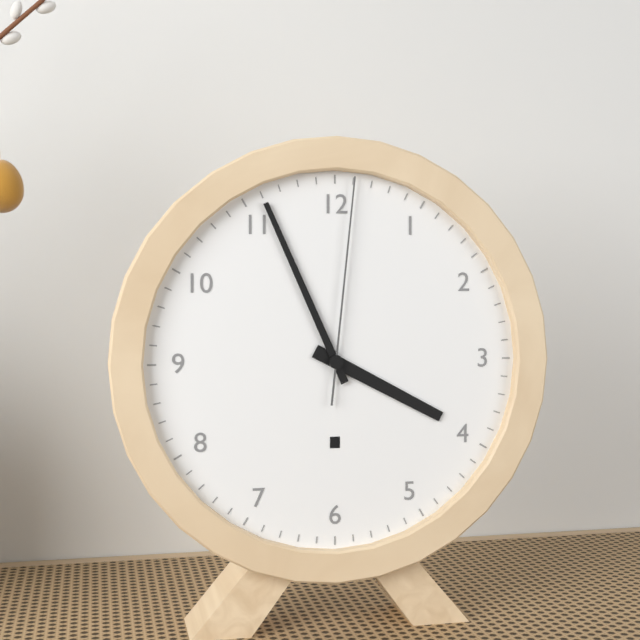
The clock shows 3.56.01
